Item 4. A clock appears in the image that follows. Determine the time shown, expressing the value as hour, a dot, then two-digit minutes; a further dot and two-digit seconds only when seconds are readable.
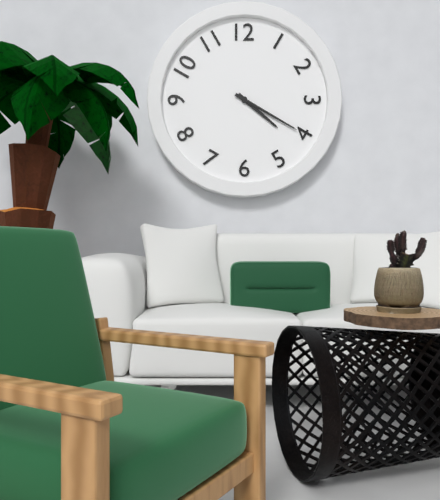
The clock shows 4.20
